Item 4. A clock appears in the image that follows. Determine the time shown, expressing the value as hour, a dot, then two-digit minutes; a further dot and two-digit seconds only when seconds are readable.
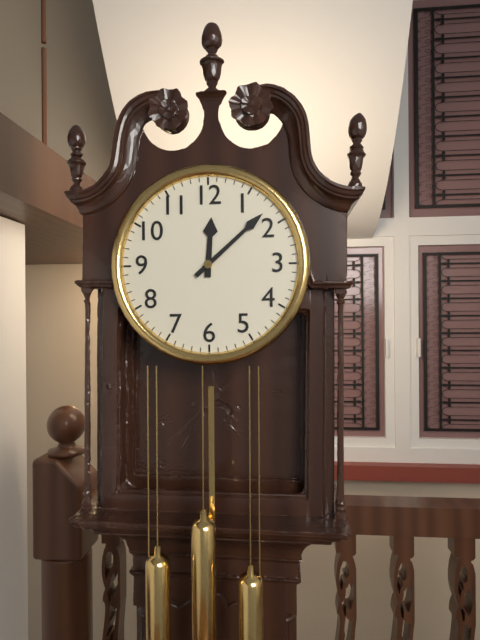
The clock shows 12.08
